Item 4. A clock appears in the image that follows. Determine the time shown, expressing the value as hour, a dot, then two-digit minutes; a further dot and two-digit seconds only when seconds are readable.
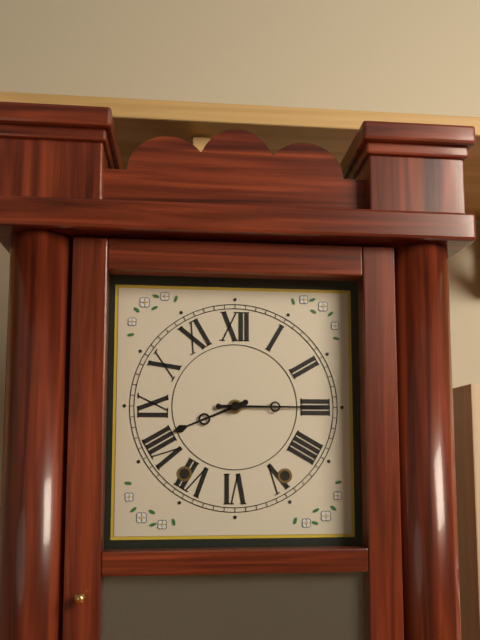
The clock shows 8.15
